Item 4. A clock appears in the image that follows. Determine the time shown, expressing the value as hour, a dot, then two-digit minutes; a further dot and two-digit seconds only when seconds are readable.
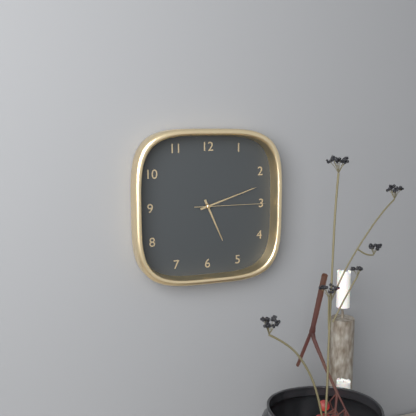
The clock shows 5.12.15
